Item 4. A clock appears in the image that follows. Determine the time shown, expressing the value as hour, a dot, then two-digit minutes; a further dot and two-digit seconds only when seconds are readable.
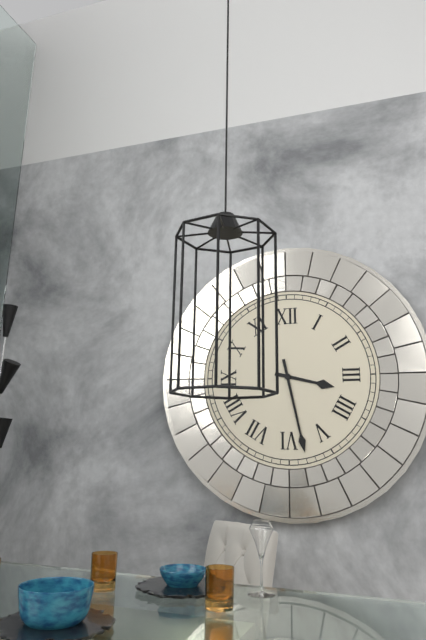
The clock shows 3.28
